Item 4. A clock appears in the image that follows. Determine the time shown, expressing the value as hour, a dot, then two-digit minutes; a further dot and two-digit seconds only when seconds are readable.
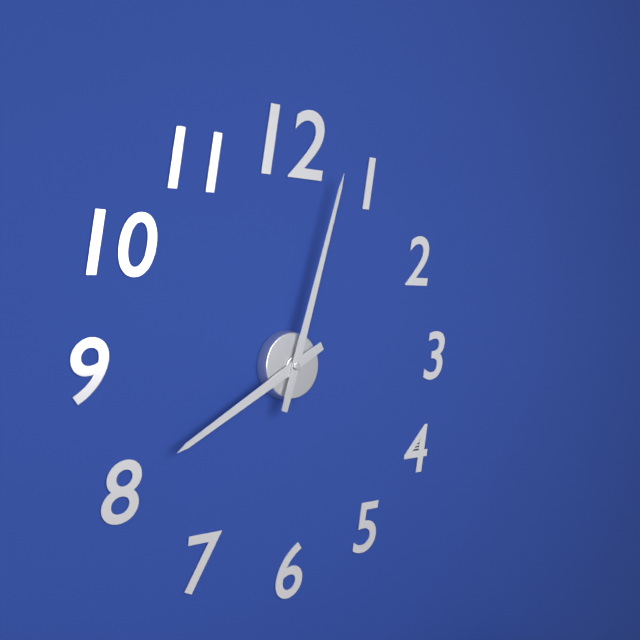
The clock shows 8.03
